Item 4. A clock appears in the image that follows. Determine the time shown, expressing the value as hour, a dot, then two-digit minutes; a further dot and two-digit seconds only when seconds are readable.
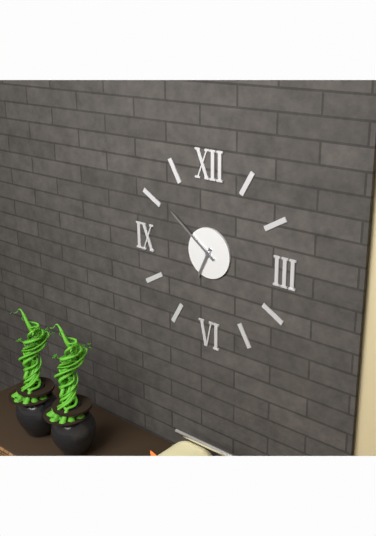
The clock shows 6.51
